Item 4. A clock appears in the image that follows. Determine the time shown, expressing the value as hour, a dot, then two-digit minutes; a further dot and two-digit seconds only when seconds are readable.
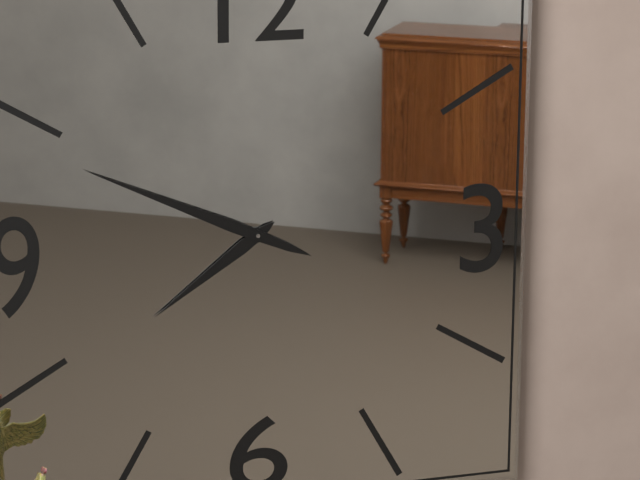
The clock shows 7.49
